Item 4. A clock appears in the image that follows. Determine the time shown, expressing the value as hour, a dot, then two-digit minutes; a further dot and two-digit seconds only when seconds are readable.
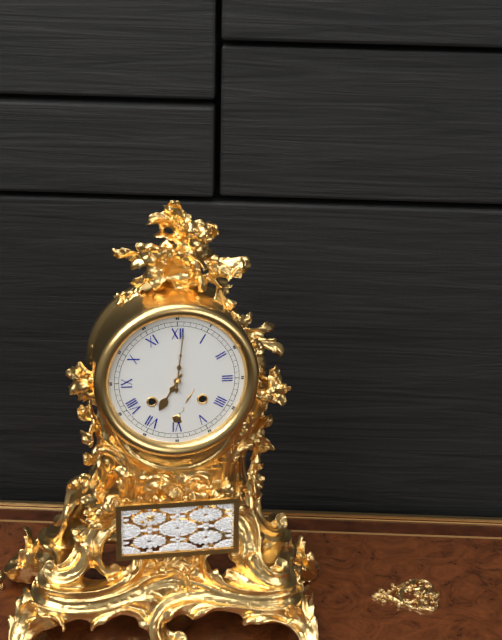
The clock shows 7.01
